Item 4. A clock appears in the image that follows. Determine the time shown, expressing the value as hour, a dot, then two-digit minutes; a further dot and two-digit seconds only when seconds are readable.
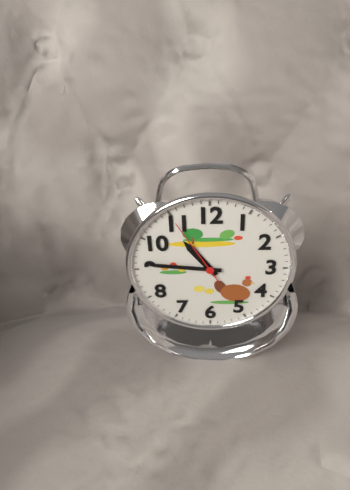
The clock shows 10.46.55
